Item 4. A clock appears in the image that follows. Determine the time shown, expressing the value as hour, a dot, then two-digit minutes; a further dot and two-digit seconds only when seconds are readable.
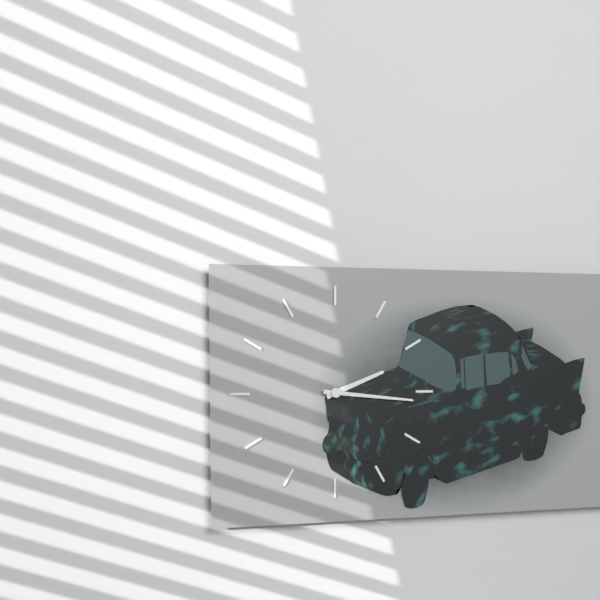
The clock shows 2.16
